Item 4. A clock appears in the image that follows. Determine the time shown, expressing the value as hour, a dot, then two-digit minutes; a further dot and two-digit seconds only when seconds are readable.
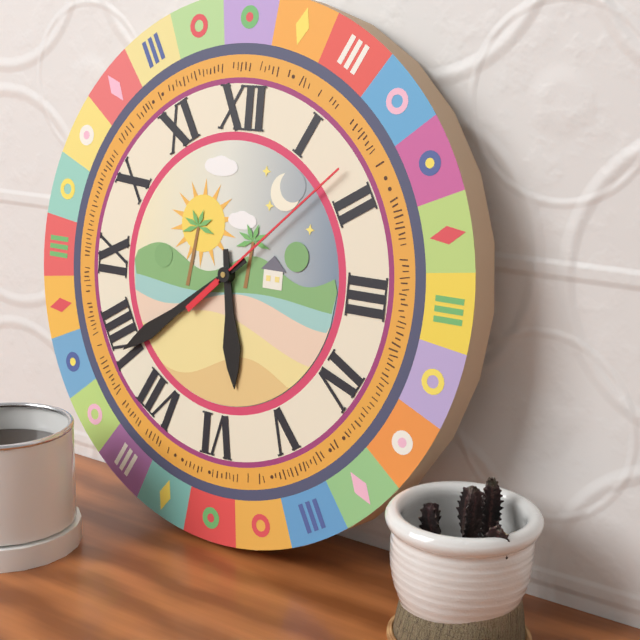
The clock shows 5.39.08
